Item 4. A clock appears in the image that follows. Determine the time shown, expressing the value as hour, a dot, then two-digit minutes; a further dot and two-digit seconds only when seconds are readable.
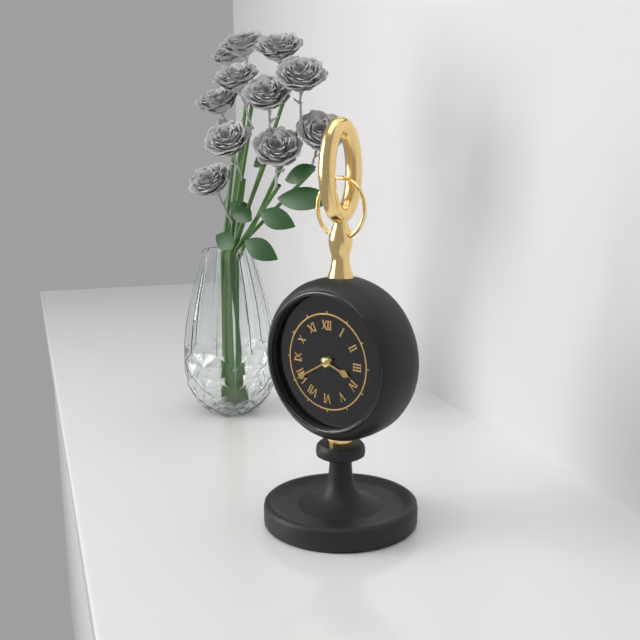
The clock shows 3.40
